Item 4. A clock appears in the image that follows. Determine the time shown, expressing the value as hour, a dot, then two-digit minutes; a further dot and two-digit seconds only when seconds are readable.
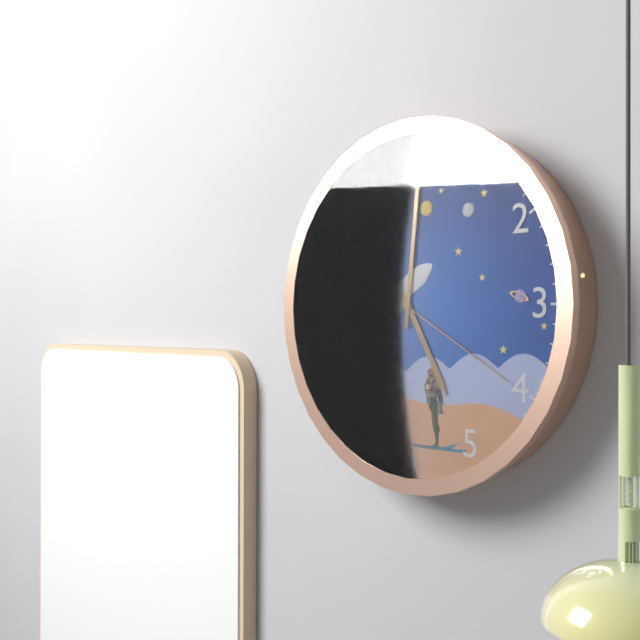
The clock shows 5.01.20
